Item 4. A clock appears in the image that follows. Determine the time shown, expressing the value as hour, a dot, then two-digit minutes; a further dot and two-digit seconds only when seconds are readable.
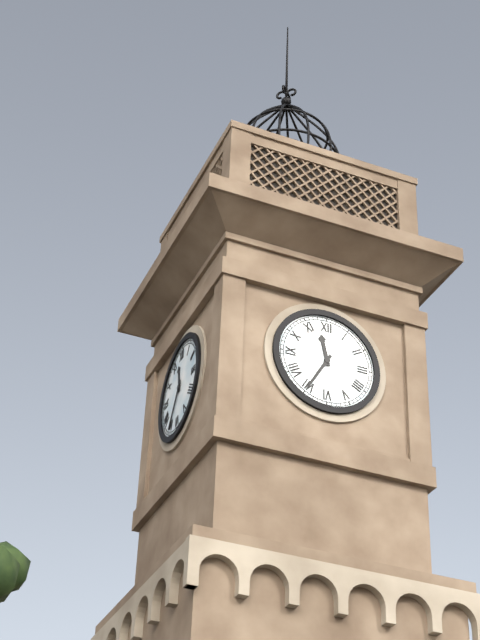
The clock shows 11.35
